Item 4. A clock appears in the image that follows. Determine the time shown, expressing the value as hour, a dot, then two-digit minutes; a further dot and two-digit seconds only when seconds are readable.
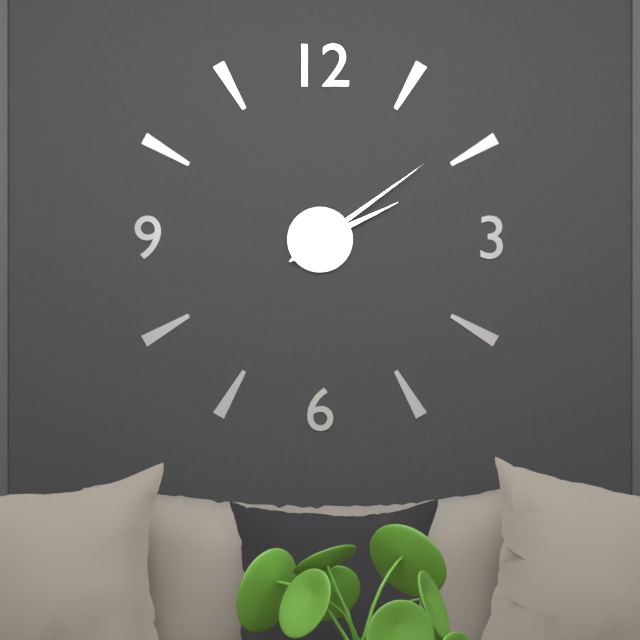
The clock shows 2.09
